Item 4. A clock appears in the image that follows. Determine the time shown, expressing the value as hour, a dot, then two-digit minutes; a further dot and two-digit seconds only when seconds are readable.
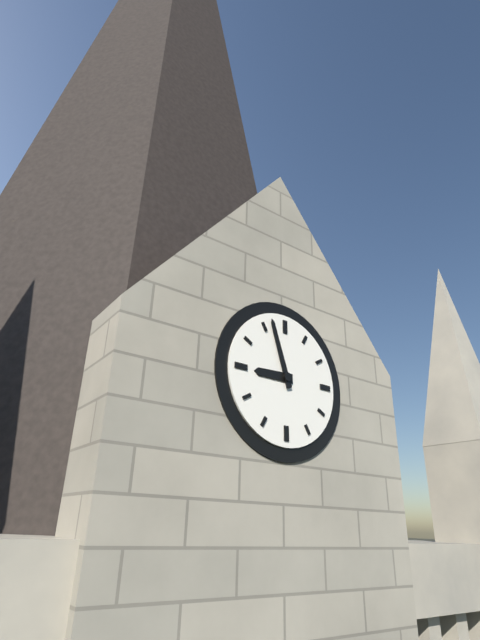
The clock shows 8.57
